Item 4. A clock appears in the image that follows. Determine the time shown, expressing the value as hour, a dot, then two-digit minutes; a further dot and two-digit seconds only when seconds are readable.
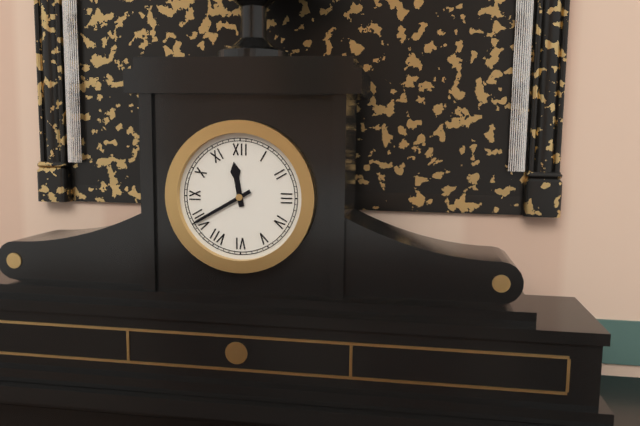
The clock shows 11.40
